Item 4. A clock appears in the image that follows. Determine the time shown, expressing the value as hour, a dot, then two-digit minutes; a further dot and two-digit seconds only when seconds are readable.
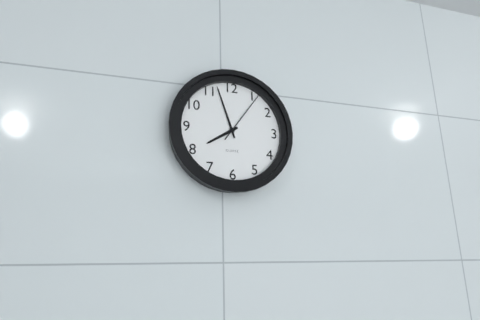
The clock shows 7.57.06
